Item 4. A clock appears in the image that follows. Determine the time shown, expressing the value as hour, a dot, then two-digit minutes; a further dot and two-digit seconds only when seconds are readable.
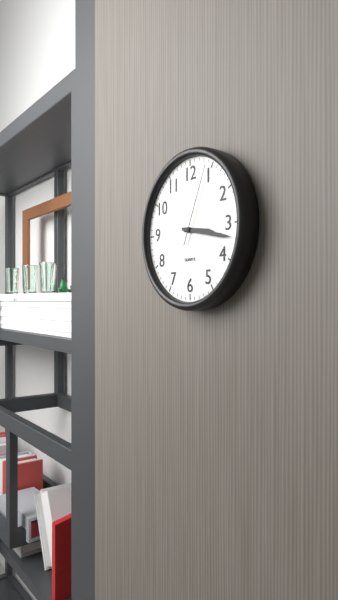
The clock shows 3.17.04
